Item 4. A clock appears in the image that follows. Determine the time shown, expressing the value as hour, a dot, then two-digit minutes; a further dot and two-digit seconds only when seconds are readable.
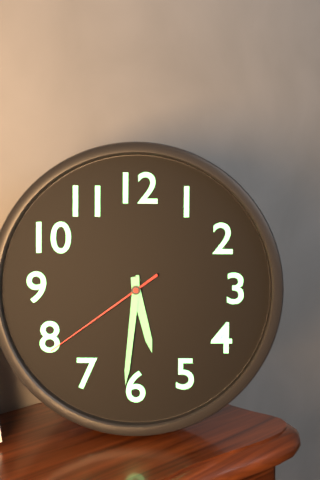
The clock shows 5.31.39
